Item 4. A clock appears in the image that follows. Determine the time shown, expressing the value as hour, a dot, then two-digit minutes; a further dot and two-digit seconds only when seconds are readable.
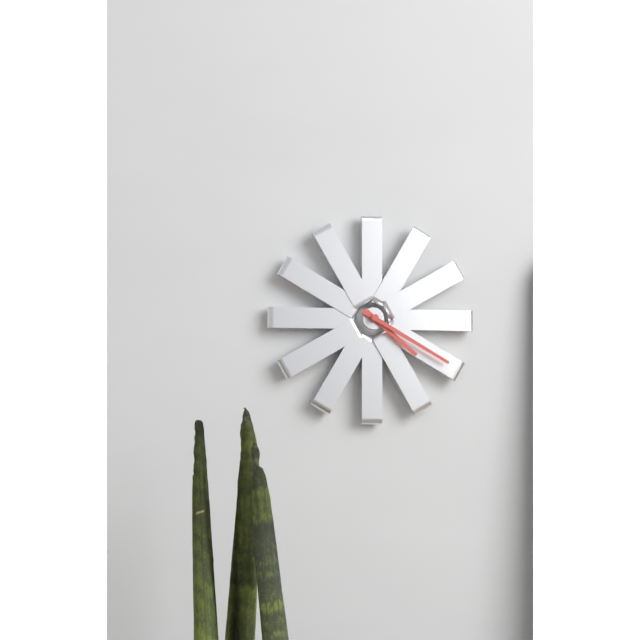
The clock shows 4.20
